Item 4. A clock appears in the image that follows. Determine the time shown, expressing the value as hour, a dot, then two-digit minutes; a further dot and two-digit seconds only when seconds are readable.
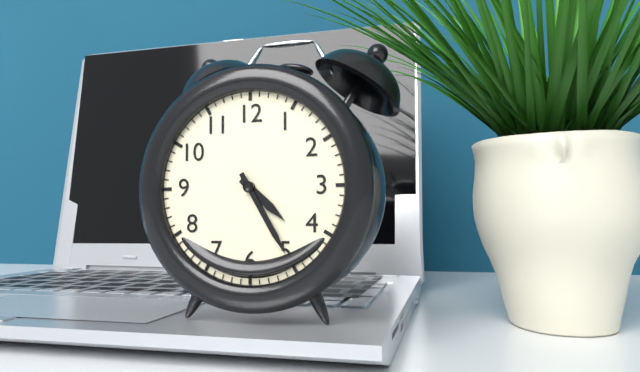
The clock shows 4.25
